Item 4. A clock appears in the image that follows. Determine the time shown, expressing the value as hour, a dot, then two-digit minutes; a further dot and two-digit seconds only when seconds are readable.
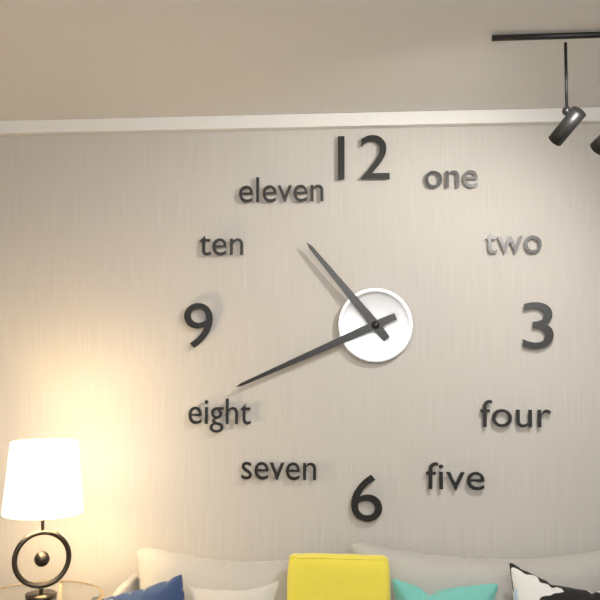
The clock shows 10.41
